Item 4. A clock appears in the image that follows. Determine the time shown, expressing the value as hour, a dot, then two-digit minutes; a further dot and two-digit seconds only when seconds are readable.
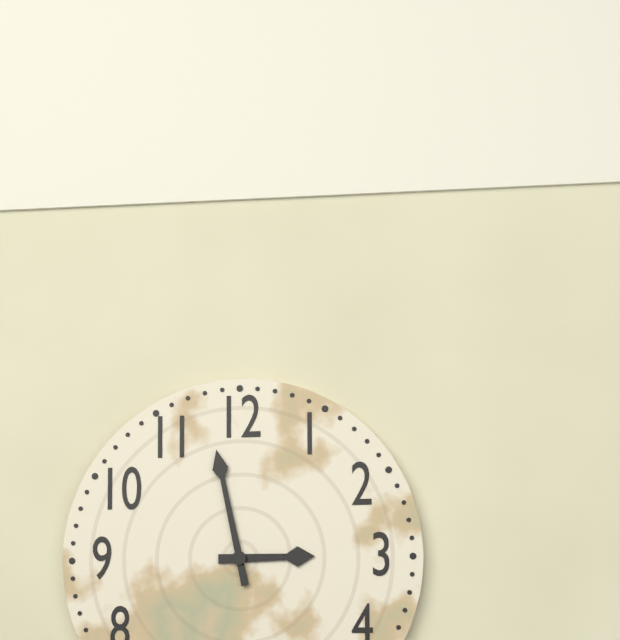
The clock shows 2.58
